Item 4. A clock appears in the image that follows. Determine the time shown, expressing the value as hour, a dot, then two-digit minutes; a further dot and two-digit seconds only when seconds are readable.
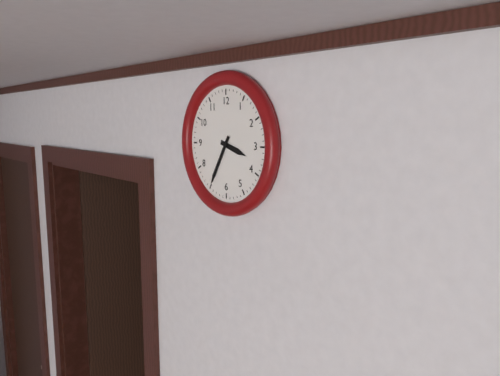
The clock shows 3.35
